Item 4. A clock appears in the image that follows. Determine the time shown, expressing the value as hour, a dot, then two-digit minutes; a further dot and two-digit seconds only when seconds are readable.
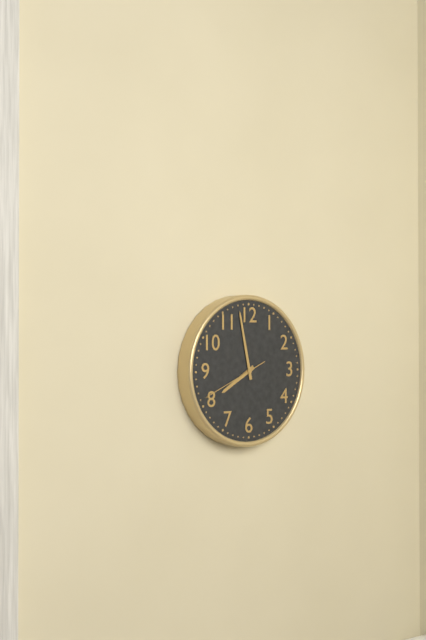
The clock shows 7.58.41
